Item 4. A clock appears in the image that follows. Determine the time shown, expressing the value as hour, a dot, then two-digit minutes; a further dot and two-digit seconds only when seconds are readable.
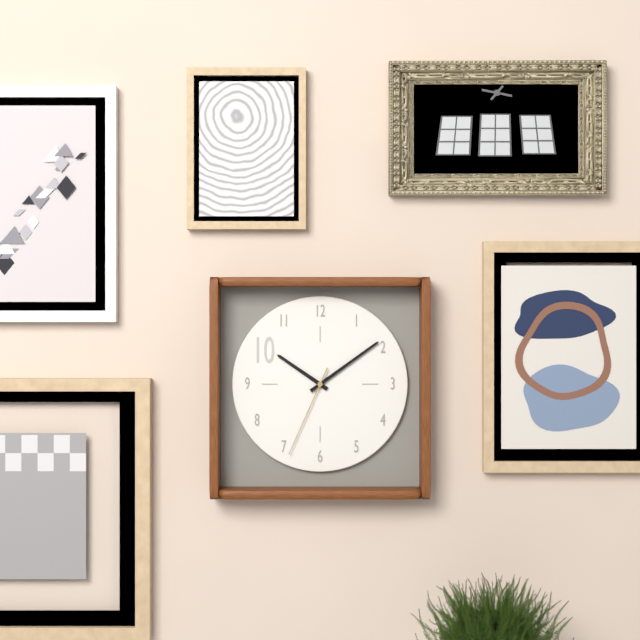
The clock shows 10.09.34
